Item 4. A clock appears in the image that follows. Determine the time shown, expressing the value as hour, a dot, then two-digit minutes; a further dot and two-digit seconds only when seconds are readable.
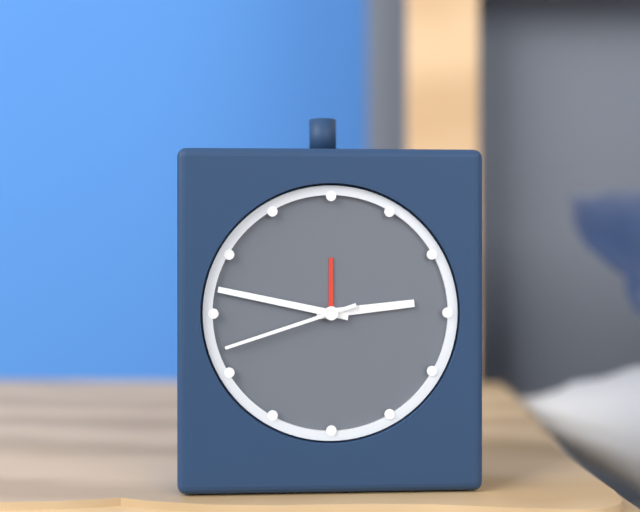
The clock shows 2.47.42
